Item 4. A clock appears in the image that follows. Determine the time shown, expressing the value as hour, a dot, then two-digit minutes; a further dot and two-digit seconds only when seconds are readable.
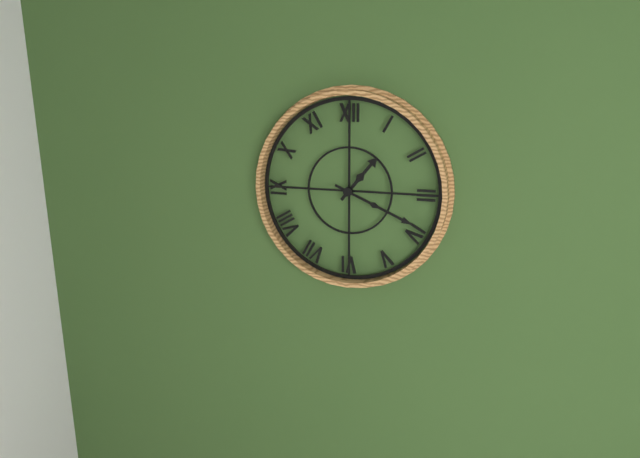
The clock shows 1.19
